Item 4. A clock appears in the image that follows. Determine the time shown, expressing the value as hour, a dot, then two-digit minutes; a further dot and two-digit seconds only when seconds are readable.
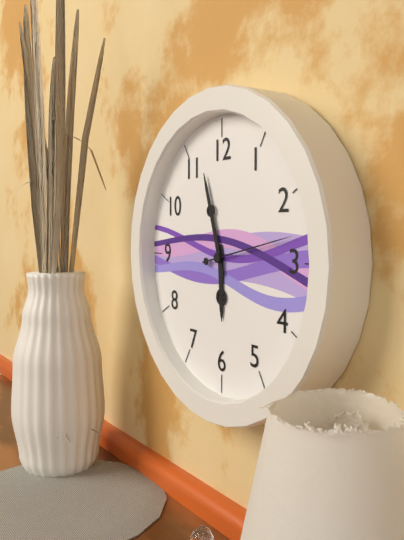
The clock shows 5.57.13
